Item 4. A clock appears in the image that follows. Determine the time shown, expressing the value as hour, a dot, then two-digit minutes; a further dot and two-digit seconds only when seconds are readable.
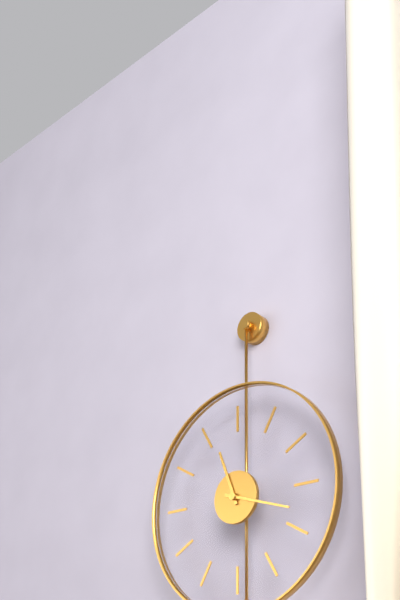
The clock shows 11.18
